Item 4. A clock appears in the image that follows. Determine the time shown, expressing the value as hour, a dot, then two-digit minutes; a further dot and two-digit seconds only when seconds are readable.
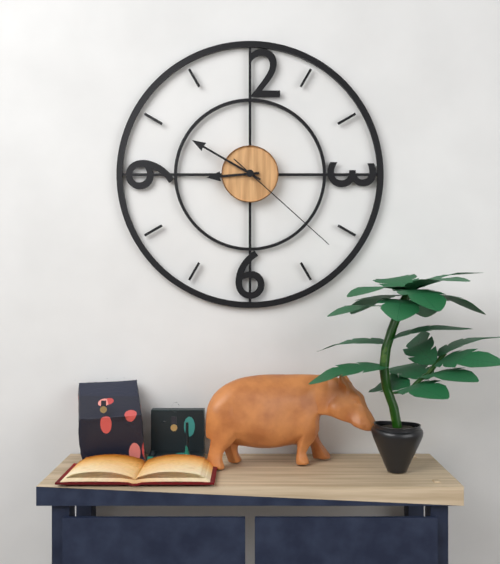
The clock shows 8.50.22
